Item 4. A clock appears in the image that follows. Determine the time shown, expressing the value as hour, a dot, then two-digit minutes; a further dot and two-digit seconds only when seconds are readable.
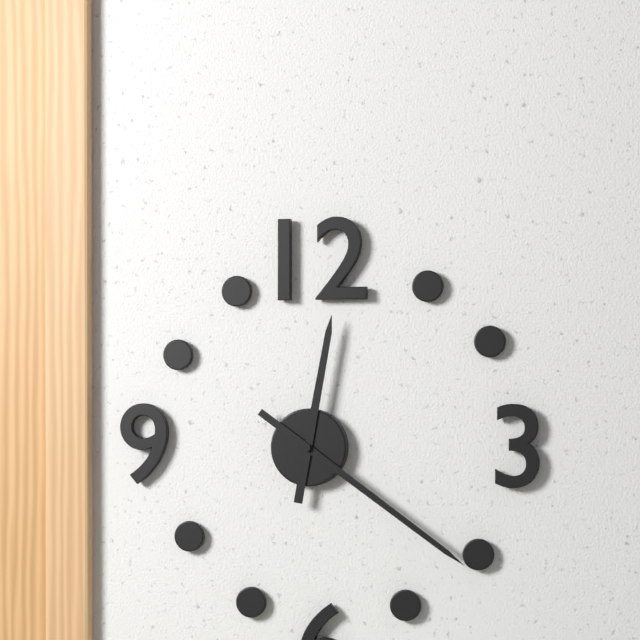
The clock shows 12.21
